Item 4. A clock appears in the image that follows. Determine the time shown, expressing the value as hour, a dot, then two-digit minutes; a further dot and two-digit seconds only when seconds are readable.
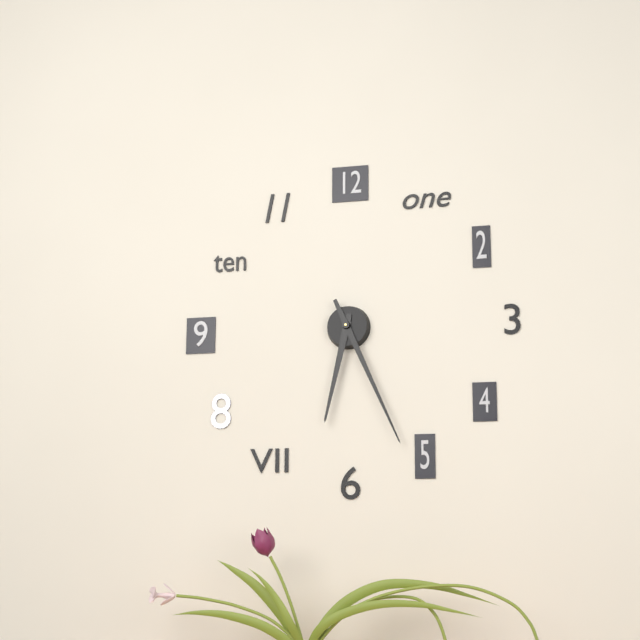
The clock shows 6.26
